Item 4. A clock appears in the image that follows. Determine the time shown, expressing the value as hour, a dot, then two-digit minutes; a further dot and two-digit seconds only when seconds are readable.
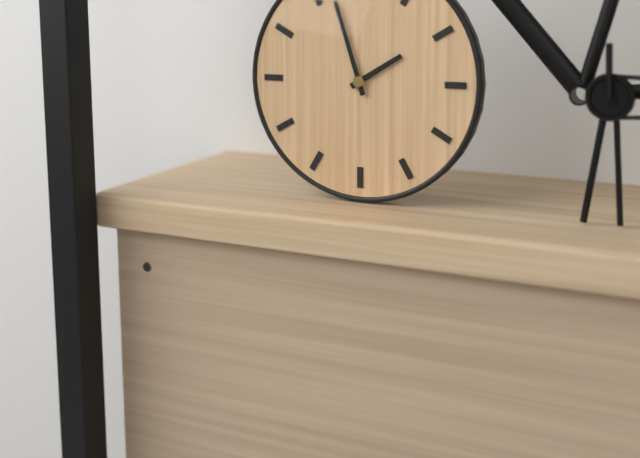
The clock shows 1.57
